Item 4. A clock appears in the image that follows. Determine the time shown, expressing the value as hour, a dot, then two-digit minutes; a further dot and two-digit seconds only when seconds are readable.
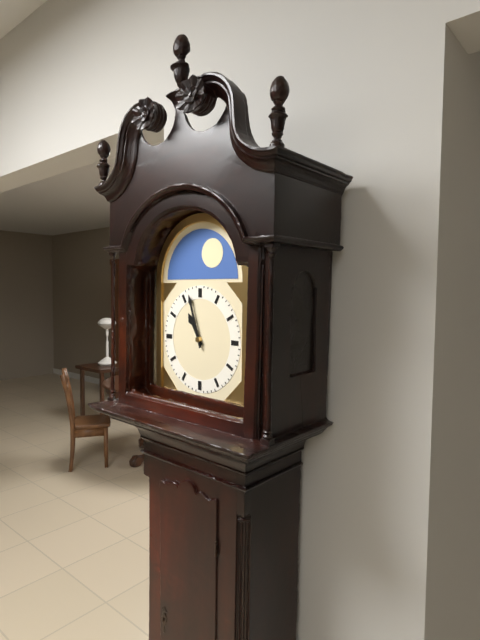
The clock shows 10.57
